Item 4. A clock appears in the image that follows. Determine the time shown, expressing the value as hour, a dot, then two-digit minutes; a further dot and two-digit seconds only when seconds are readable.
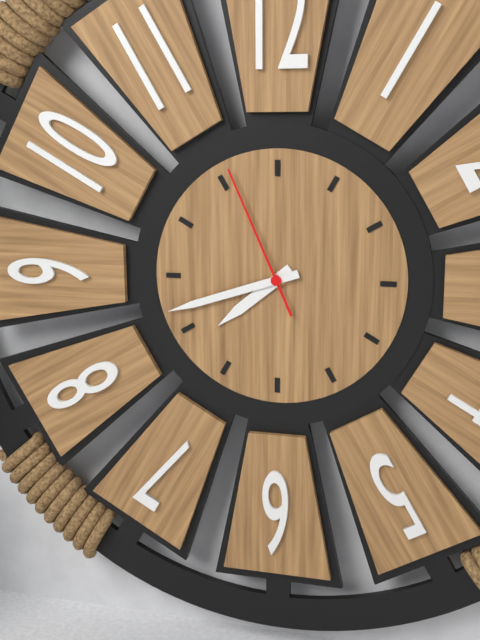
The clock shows 7.42.56
